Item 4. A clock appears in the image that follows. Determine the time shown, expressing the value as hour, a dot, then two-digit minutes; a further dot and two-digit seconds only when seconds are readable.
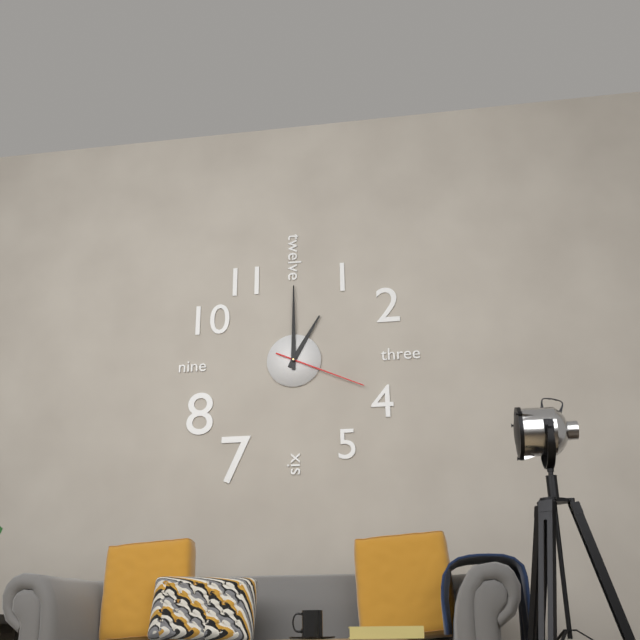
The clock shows 1.00.19
